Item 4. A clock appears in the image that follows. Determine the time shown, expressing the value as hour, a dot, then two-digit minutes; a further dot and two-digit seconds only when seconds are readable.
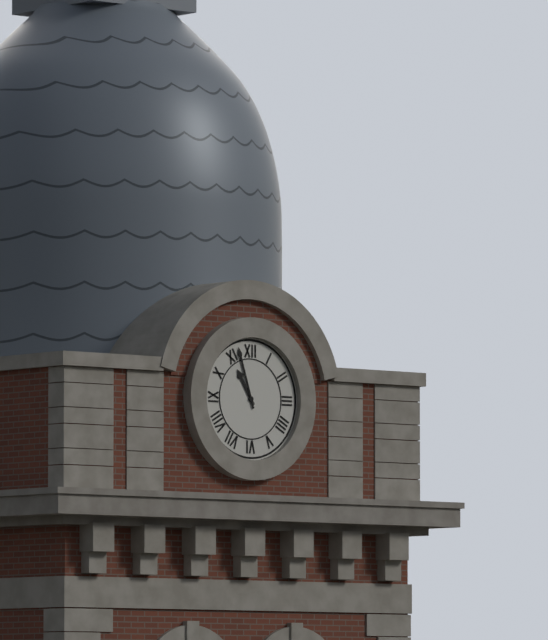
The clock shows 10.57
